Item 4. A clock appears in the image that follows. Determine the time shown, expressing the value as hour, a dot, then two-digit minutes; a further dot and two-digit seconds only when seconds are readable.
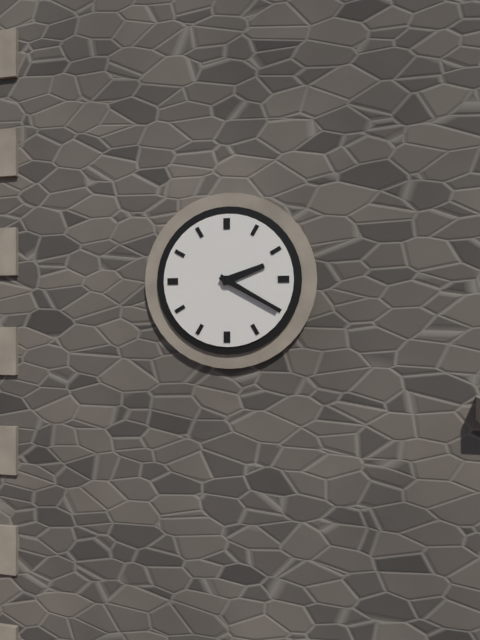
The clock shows 2.20
